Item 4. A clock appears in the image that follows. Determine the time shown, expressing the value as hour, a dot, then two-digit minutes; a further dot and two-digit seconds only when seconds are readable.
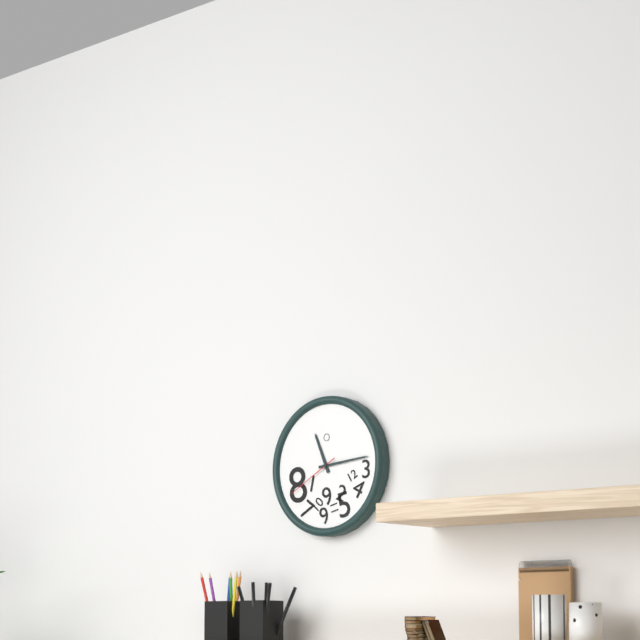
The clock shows 11.14.40
